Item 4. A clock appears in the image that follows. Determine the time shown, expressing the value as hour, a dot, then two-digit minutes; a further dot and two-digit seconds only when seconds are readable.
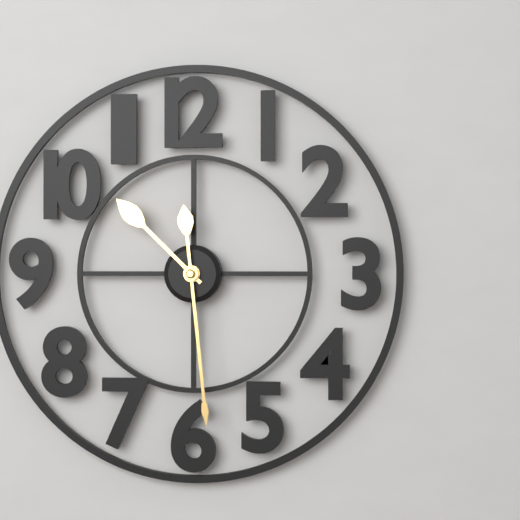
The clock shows 10.29
